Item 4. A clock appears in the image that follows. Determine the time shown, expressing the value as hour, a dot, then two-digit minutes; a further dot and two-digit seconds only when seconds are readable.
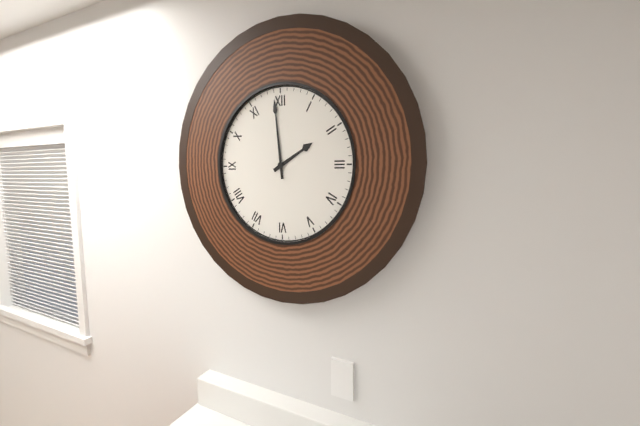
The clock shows 1.59
